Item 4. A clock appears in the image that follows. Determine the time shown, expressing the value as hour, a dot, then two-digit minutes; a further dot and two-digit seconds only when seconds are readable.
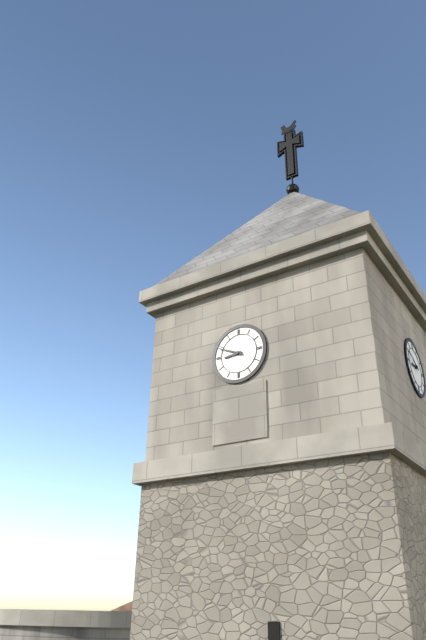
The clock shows 8.49
